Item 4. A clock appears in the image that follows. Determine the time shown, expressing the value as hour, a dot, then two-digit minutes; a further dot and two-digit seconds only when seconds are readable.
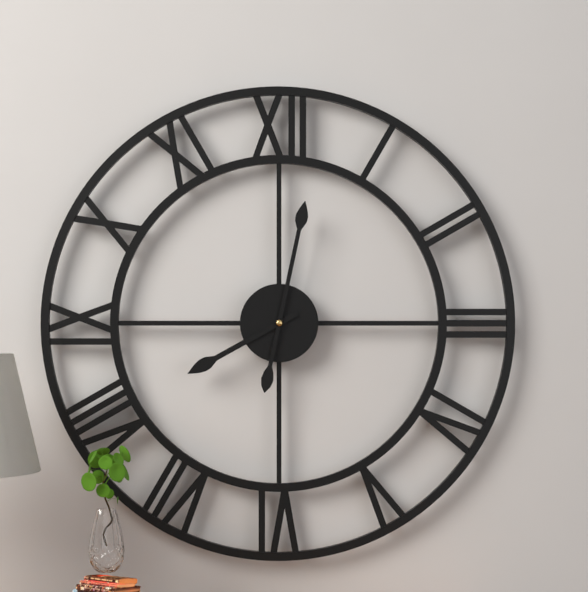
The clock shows 8.02
